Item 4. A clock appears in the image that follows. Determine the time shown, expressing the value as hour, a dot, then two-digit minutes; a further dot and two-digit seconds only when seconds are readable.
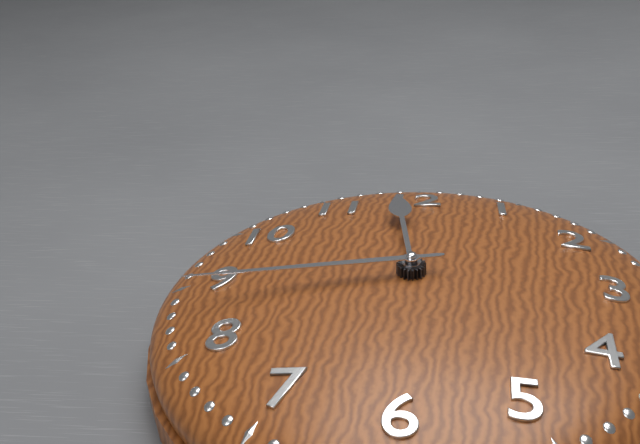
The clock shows 11.43
